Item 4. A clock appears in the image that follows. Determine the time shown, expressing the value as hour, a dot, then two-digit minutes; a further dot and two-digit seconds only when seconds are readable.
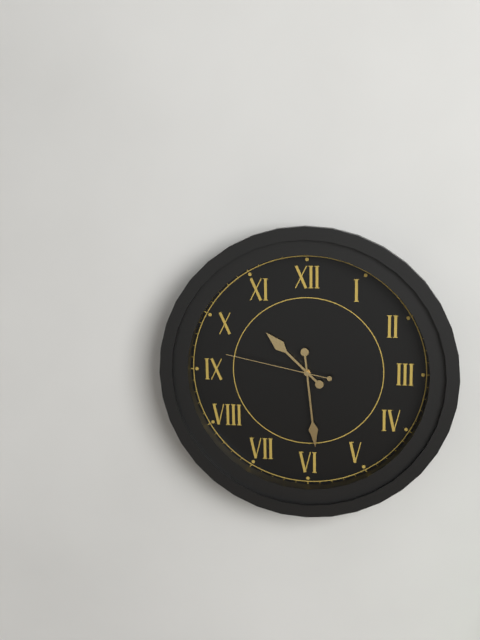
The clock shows 10.29.47
